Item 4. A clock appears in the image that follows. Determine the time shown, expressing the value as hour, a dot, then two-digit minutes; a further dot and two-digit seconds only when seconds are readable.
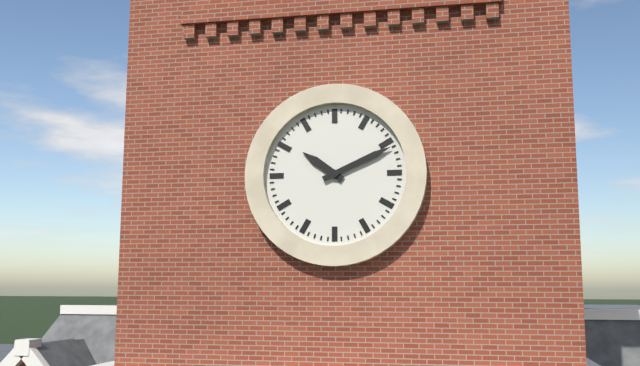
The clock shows 10.11
